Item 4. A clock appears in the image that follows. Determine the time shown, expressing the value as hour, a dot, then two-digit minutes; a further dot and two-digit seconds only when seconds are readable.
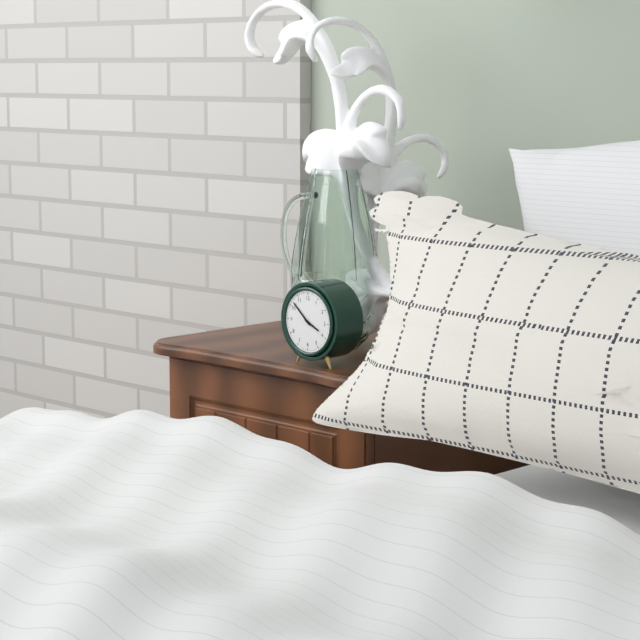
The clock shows 3.52
